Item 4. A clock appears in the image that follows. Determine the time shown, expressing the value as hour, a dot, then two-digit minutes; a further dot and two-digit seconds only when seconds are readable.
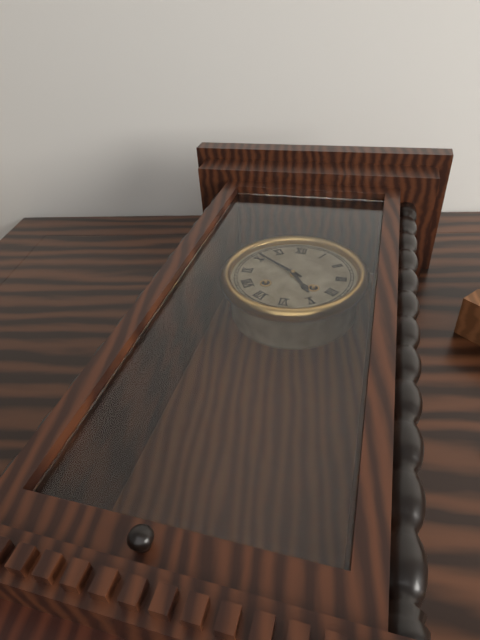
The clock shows 4.51
